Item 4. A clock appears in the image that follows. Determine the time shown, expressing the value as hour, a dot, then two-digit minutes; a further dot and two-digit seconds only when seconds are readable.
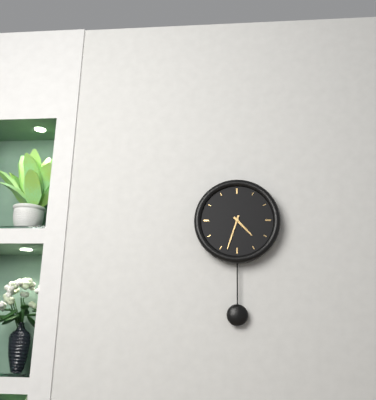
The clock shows 4.33
